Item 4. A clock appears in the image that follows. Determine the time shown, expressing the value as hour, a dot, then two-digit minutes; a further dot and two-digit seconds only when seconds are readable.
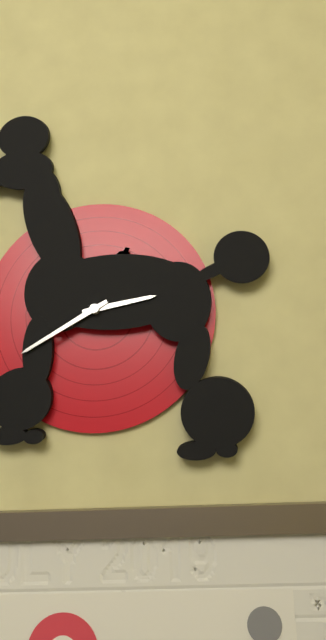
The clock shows 2.40
